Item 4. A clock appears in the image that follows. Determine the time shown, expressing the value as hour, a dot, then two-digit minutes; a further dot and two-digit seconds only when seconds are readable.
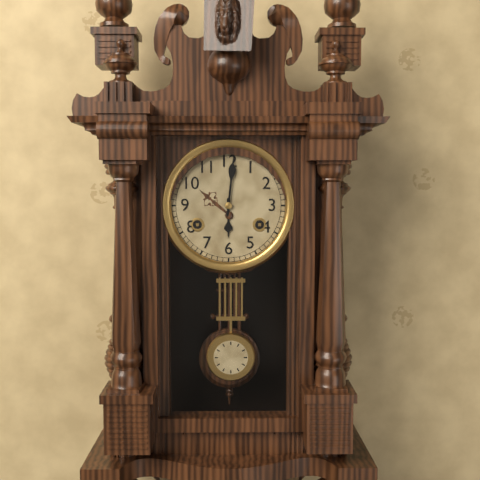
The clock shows 6.01
